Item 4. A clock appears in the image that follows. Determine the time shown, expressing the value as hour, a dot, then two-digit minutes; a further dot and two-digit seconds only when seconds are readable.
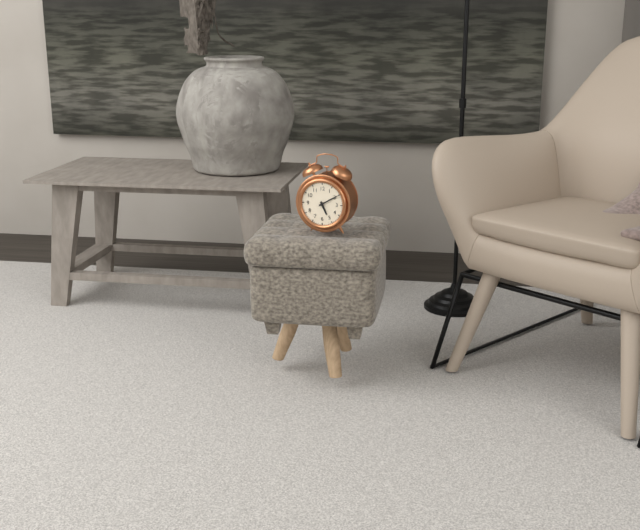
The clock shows 5.10
